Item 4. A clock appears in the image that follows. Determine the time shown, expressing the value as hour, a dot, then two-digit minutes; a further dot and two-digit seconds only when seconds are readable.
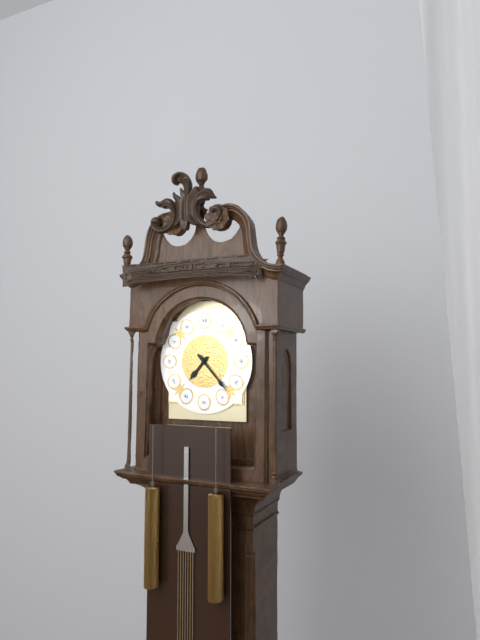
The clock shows 7.23
